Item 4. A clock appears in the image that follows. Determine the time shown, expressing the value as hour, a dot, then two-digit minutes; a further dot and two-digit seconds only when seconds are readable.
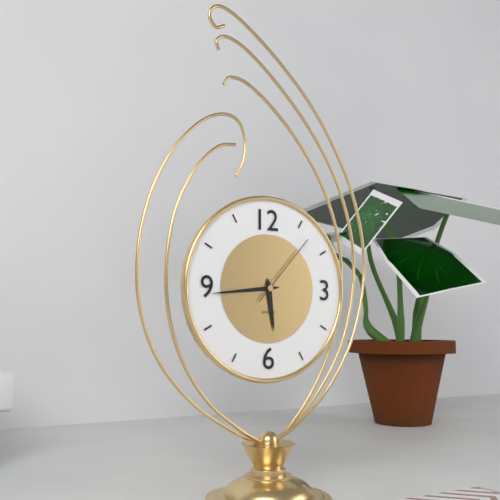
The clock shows 5.44.07
